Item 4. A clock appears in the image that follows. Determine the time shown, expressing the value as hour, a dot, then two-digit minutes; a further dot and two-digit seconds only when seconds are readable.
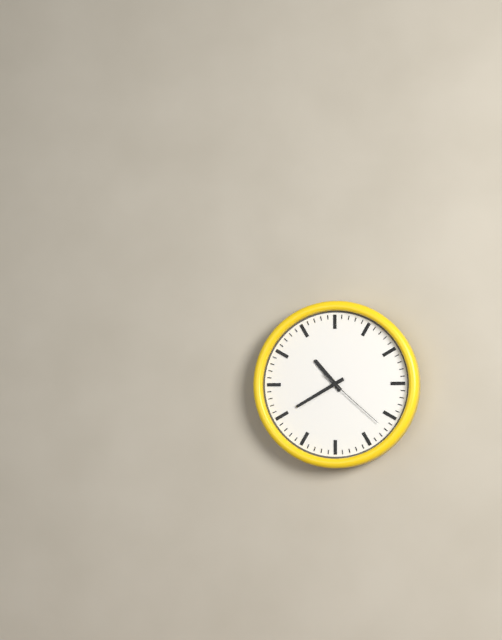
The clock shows 10.40.22
